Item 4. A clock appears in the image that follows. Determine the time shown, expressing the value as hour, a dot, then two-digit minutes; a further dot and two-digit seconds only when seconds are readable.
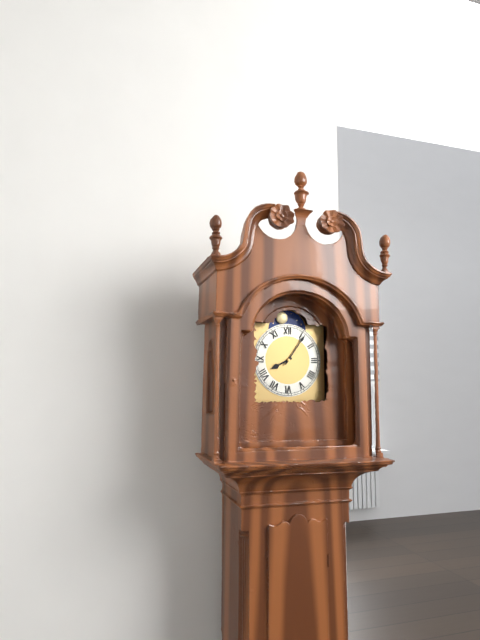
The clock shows 8.06
